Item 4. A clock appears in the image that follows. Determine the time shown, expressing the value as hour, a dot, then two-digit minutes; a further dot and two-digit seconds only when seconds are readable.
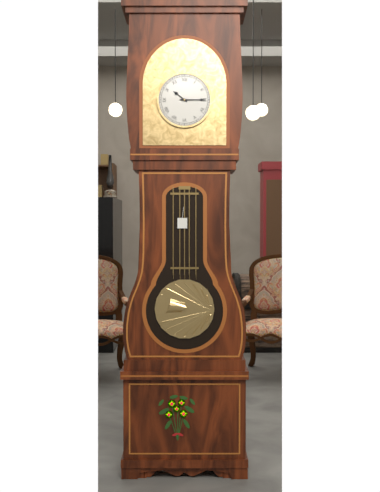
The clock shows 10.15
